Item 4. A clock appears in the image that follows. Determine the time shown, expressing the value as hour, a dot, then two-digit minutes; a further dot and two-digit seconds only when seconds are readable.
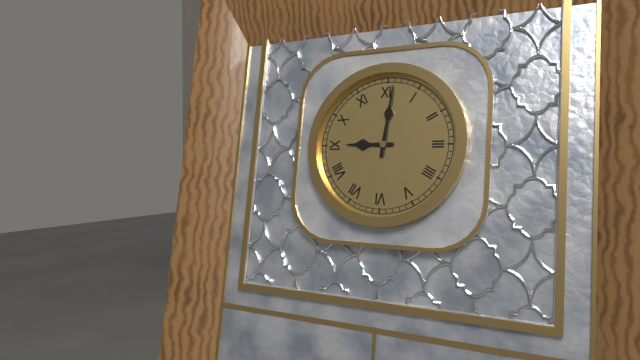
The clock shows 9.01
